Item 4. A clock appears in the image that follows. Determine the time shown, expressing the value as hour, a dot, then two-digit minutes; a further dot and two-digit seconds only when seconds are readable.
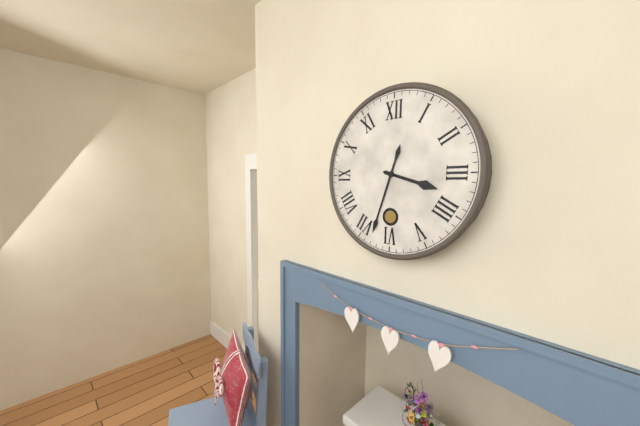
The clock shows 3.33
